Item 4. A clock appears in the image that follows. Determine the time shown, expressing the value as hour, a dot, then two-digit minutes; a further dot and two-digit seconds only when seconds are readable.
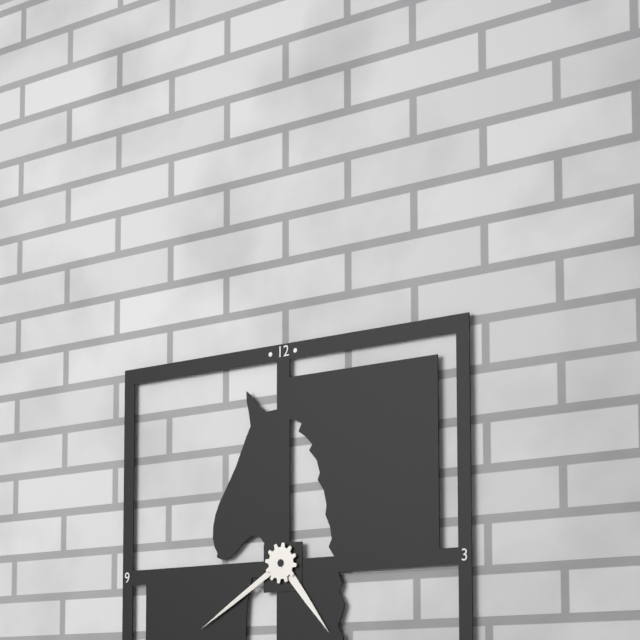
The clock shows 4.40
